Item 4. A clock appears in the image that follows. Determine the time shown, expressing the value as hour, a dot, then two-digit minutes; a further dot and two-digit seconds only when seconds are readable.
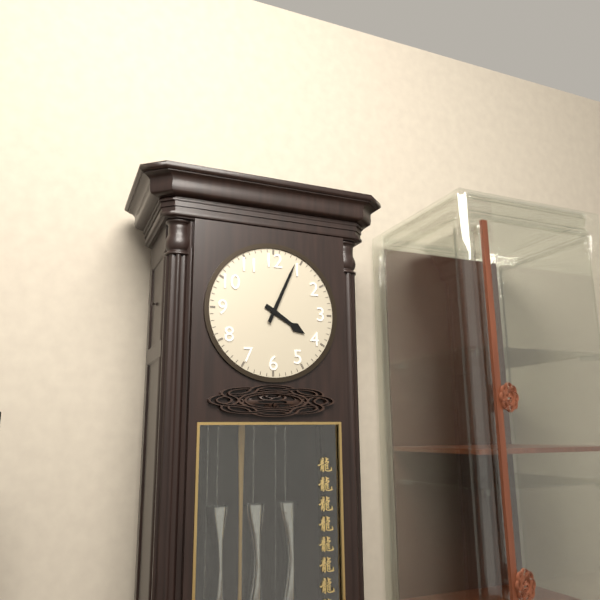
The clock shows 4.04
